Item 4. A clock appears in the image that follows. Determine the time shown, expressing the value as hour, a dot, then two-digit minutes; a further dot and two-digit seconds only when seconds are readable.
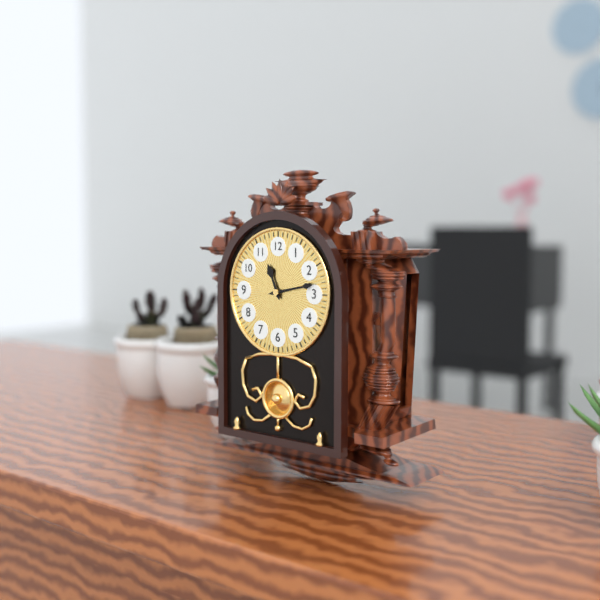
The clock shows 11.13
